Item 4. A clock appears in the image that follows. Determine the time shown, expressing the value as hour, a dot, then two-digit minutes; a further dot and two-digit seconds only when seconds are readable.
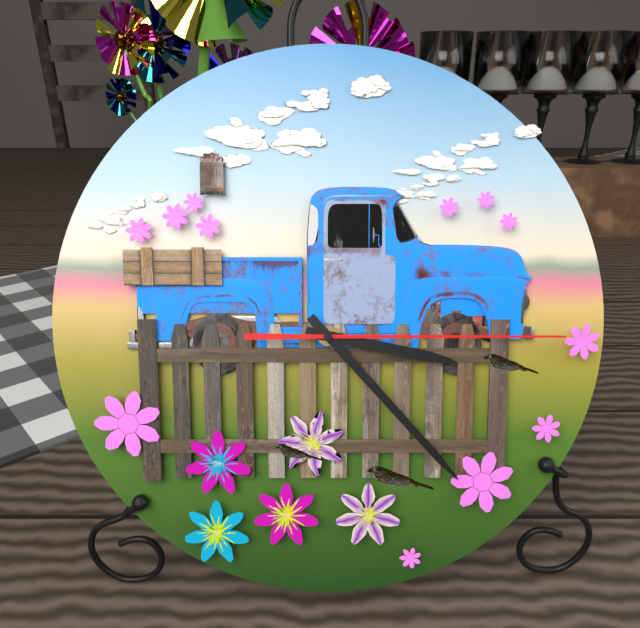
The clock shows 3.23.15
